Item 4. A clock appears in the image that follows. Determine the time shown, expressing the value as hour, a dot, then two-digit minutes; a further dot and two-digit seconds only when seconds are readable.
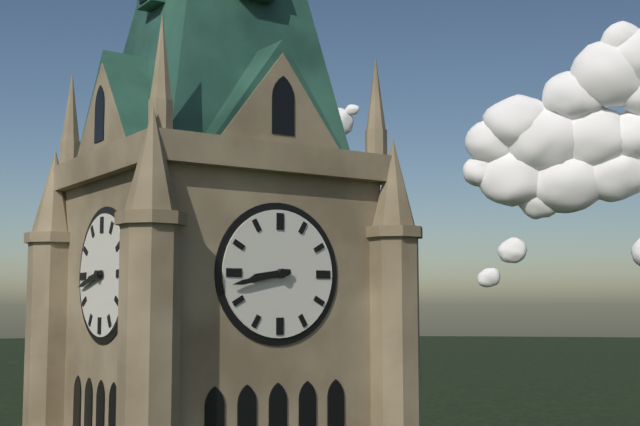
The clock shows 8.43
